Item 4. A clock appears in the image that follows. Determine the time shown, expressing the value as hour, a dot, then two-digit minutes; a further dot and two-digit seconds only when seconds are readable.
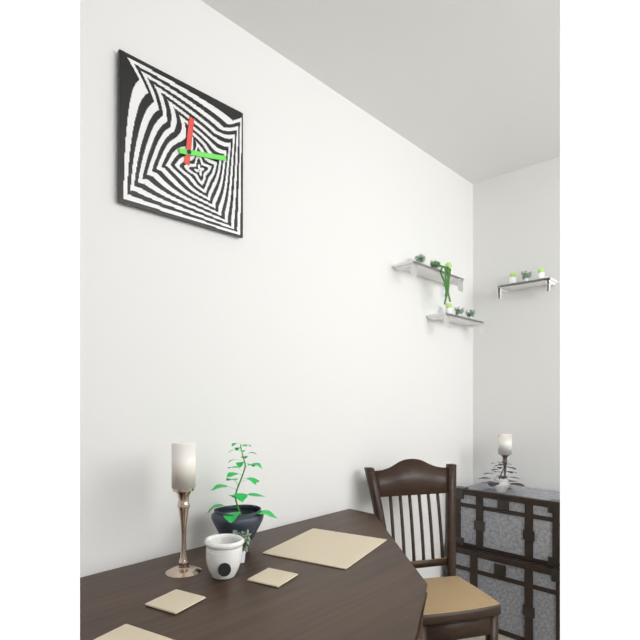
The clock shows 12.13
